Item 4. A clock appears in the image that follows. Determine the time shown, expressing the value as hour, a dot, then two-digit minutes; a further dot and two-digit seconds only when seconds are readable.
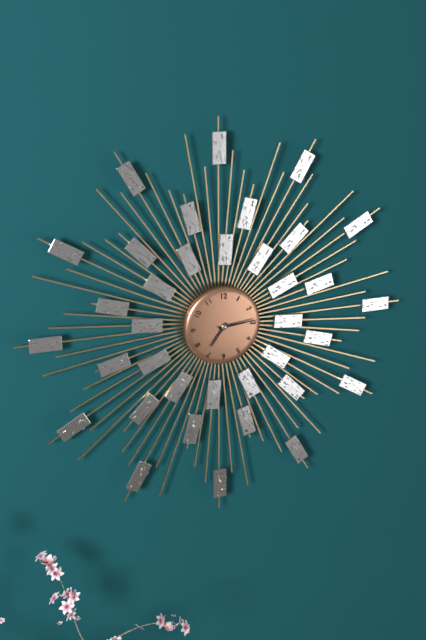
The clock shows 7.14
